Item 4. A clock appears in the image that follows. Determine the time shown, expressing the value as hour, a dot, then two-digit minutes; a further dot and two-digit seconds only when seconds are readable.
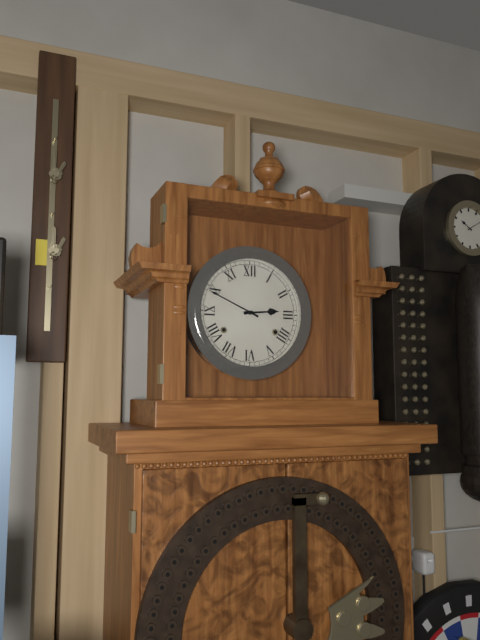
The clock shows 2.49
